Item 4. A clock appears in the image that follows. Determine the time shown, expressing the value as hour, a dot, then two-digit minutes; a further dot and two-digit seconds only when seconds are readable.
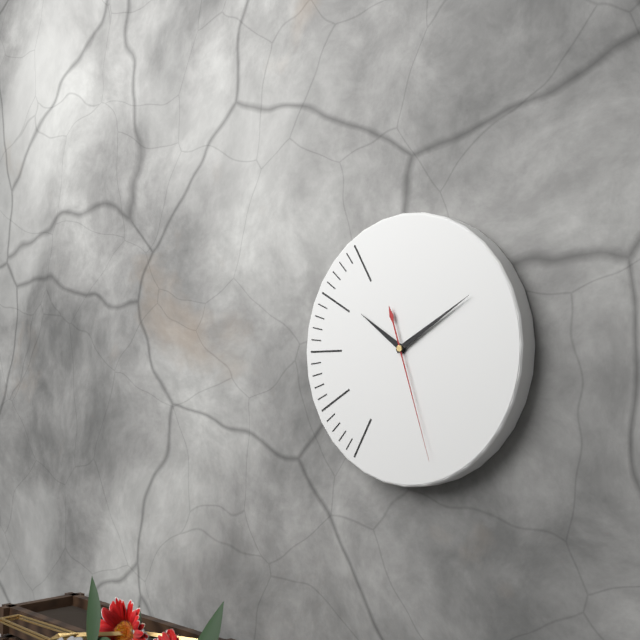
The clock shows 10.10.27
